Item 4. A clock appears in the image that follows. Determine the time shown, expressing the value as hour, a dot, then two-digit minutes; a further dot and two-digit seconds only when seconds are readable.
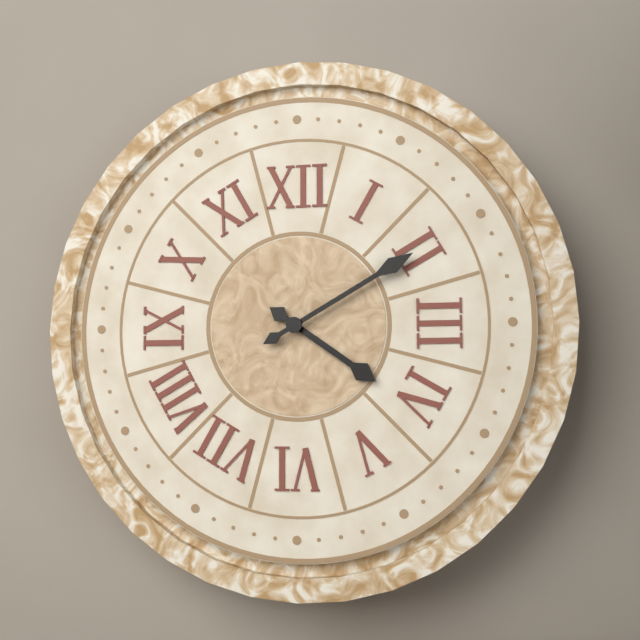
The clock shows 4.10
